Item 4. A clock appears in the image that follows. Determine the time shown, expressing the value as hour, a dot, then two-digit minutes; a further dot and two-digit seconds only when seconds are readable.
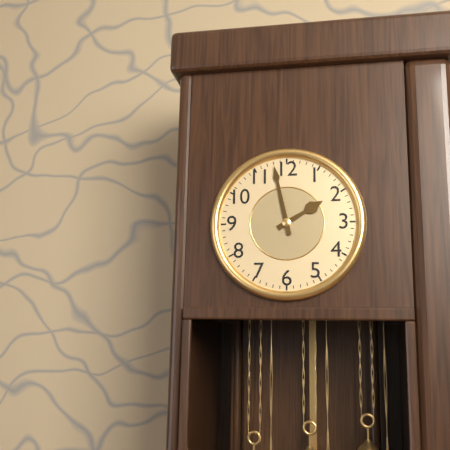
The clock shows 1.58
